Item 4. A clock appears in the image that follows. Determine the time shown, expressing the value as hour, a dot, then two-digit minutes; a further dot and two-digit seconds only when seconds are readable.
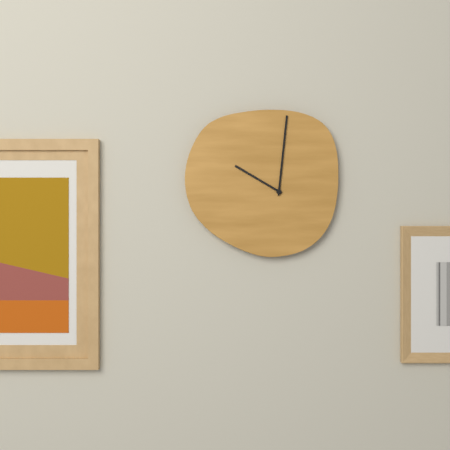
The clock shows 10.01
